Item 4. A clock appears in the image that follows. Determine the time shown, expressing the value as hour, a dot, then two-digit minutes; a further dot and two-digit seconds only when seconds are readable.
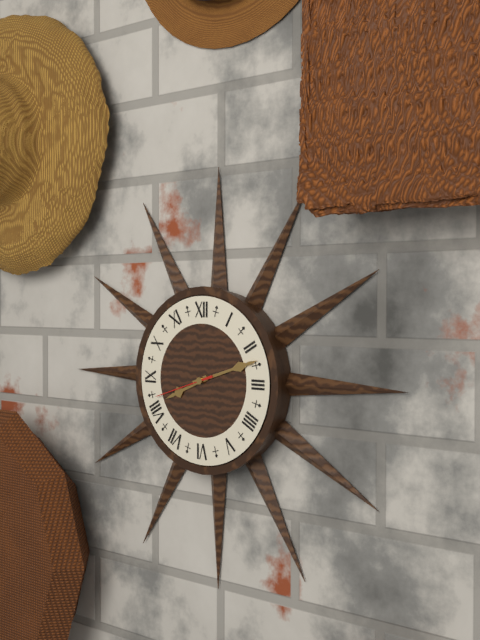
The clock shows 8.12.42
